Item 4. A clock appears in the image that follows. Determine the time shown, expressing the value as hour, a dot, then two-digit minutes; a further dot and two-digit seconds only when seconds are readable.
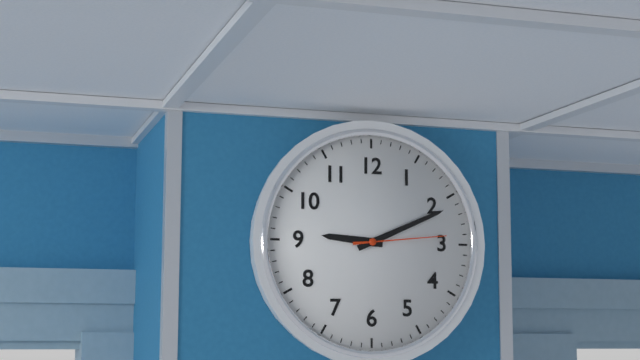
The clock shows 9.11.14
